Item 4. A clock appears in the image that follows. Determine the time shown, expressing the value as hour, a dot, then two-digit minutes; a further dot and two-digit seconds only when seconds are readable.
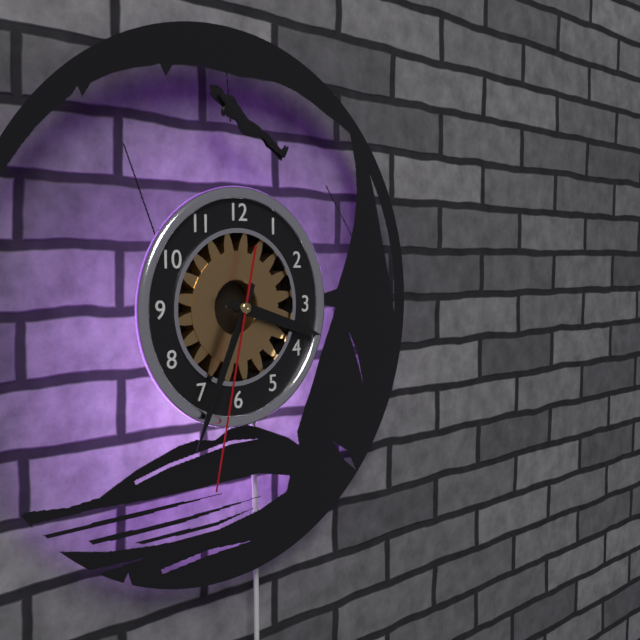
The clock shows 3.34.32
